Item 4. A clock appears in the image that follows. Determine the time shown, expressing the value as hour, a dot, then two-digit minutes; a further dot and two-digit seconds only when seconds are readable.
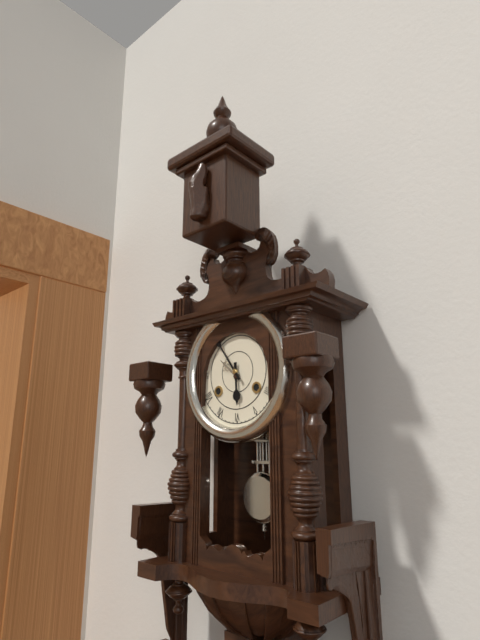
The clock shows 5.54
